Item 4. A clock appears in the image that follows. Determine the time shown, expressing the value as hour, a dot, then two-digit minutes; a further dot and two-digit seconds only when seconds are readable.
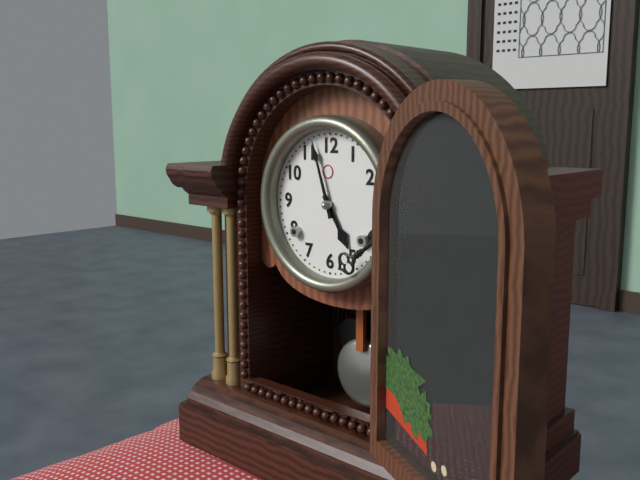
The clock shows 4.57
